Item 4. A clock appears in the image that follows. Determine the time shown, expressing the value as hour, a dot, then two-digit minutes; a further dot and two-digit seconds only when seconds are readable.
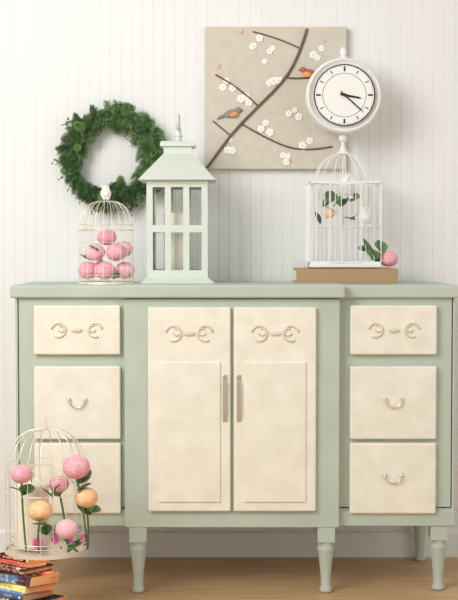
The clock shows 3.22
